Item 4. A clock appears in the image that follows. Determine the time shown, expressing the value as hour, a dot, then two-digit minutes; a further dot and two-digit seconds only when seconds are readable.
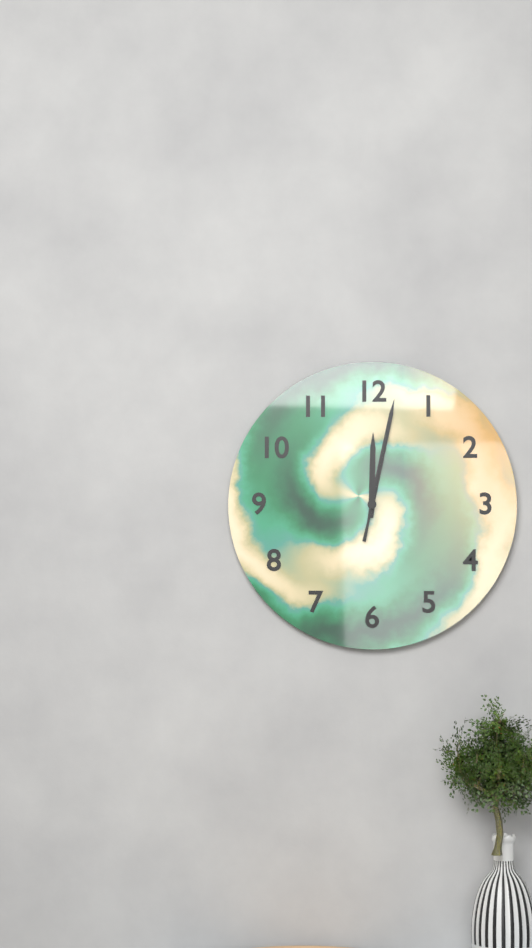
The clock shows 12.02.02
